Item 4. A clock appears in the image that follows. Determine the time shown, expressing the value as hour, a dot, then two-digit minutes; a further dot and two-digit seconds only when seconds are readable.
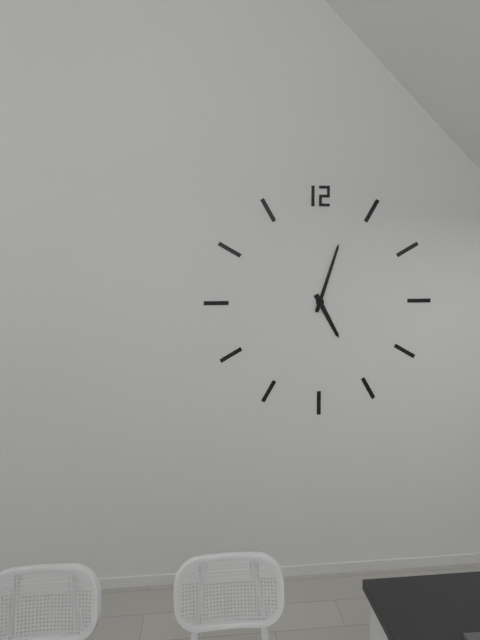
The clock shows 5.03
